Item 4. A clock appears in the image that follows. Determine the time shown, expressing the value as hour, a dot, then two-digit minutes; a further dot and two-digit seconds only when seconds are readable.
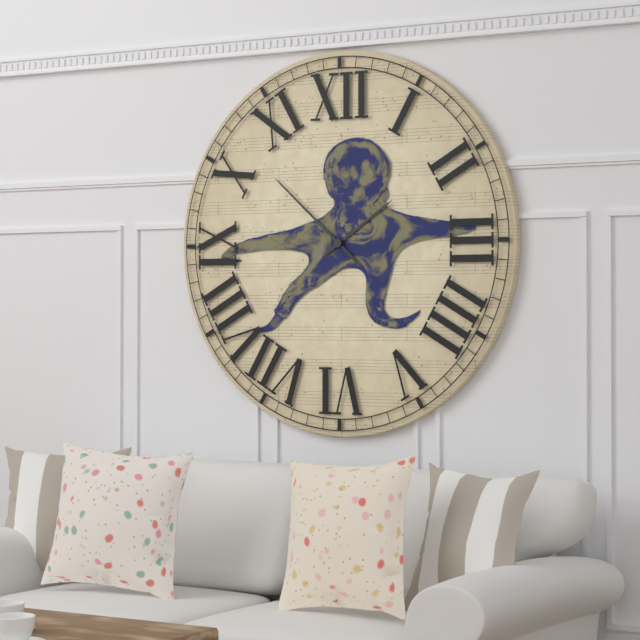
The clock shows 1.52
